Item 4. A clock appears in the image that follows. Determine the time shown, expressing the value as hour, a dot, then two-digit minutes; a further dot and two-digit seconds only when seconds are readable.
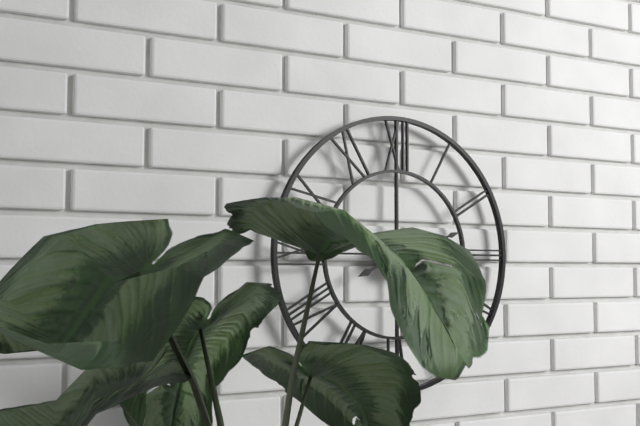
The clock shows 8.12
